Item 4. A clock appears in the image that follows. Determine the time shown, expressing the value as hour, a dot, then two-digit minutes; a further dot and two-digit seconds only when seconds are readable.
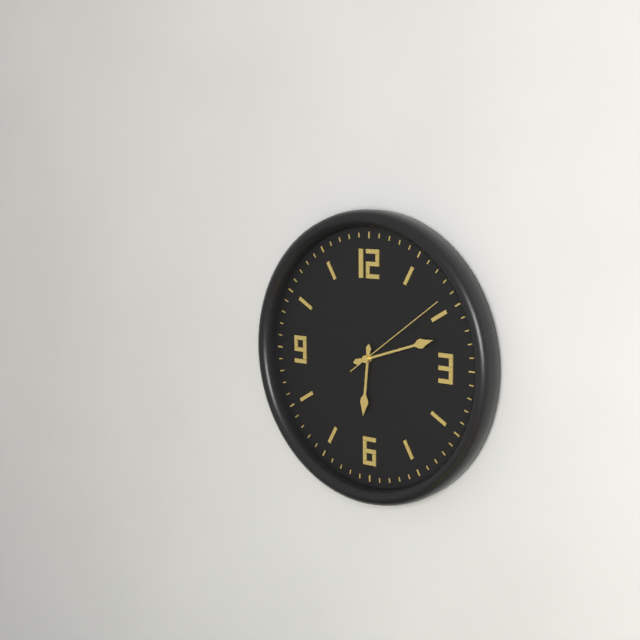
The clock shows 6.12.09
